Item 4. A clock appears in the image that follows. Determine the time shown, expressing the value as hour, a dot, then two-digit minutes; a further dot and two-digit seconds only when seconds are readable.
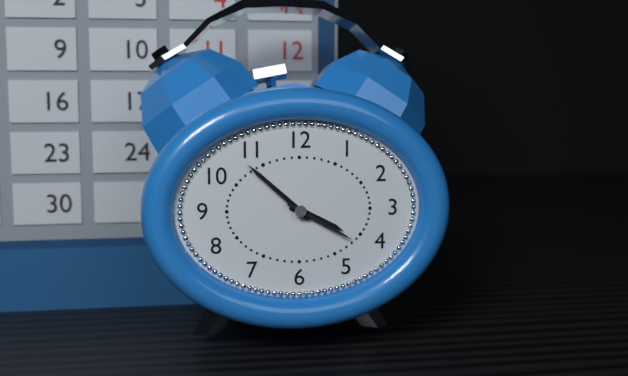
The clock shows 3.52.20
